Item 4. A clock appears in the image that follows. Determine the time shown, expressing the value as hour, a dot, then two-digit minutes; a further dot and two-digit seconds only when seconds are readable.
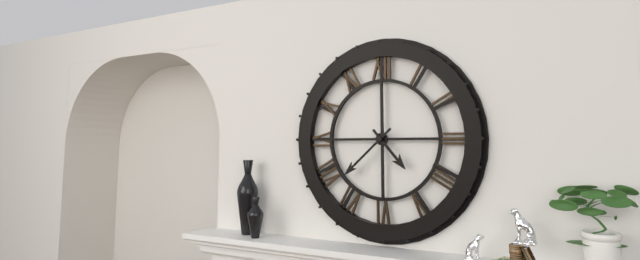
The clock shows 4.38
